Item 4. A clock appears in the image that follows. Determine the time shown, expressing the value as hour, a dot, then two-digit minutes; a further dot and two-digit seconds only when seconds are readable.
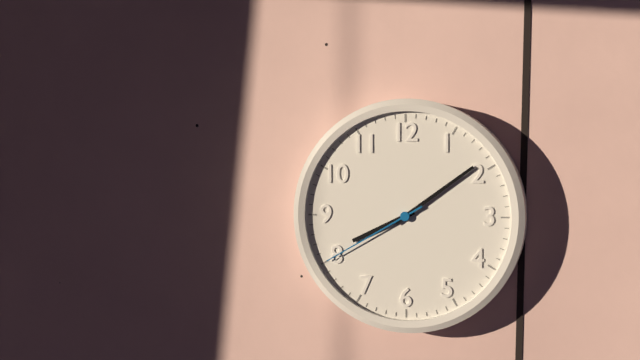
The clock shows 8.09.40
